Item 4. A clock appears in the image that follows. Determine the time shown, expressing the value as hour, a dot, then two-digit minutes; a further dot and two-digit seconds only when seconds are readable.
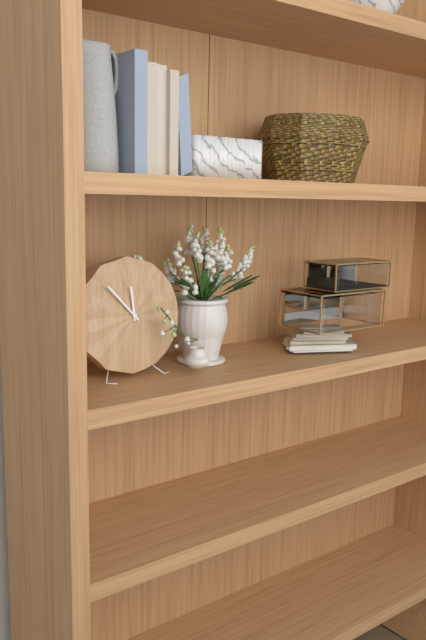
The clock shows 11.53
